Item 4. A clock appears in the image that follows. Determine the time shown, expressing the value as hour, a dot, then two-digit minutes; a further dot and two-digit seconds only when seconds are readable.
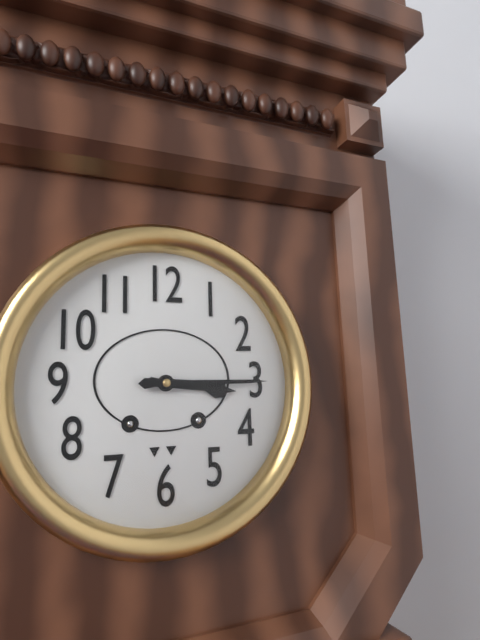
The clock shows 3.15
